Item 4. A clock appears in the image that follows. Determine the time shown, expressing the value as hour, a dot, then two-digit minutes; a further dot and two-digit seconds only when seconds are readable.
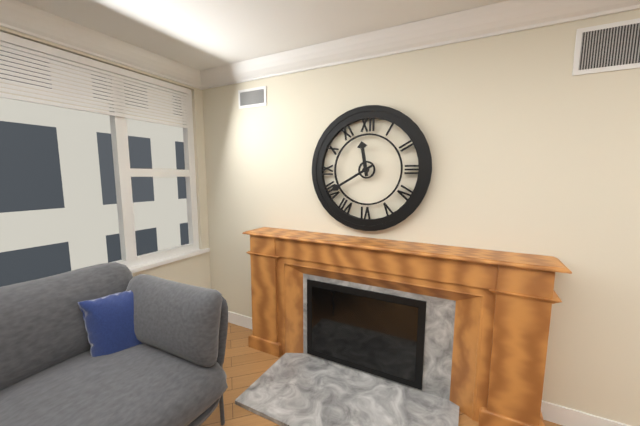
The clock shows 11.40
